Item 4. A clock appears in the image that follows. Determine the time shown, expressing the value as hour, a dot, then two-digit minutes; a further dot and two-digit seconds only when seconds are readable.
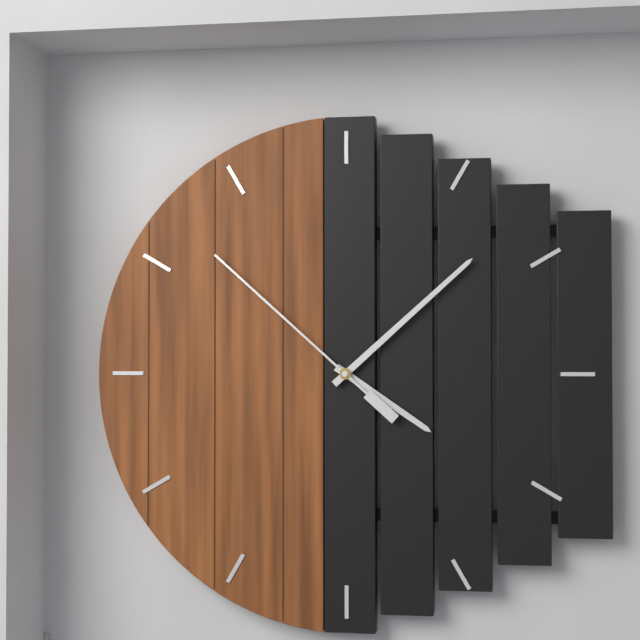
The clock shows 4.08.52
